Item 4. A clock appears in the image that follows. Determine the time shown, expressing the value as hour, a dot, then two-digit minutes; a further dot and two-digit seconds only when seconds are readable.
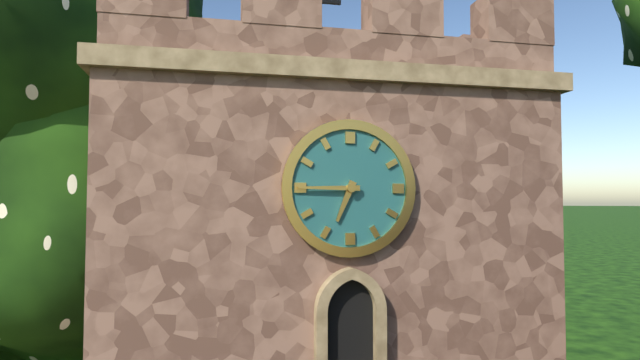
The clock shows 6.45
